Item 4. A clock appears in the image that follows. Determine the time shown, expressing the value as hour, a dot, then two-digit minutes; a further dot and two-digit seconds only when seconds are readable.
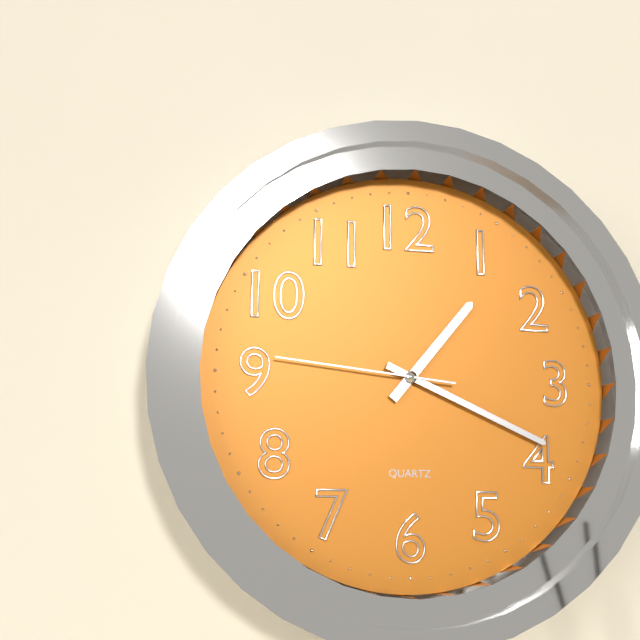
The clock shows 1.19.46
